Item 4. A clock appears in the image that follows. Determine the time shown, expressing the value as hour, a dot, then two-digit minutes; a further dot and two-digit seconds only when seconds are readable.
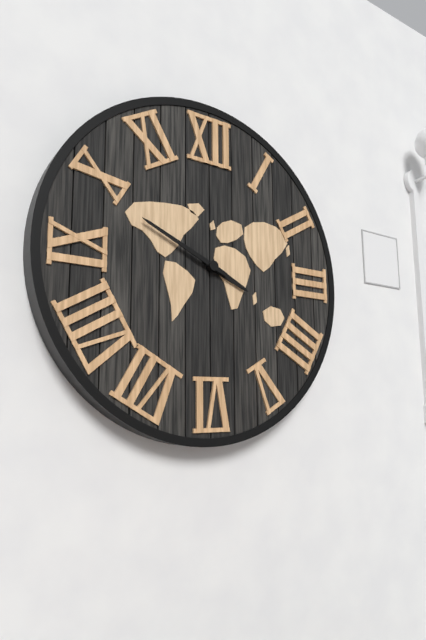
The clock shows 3.49
